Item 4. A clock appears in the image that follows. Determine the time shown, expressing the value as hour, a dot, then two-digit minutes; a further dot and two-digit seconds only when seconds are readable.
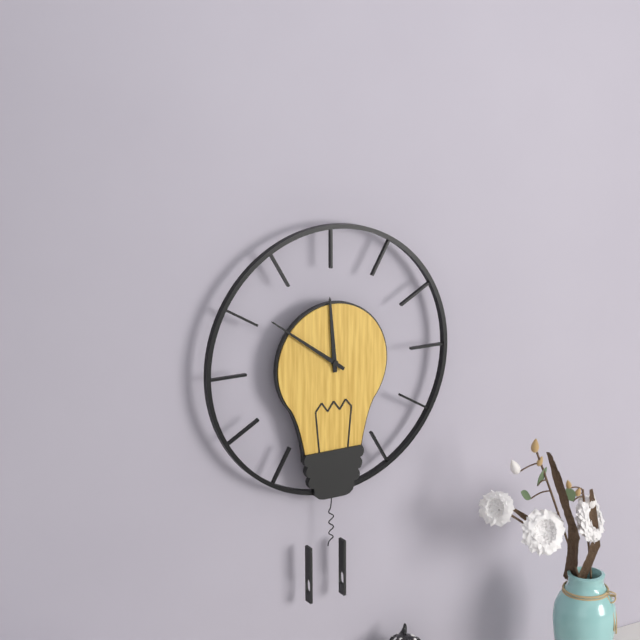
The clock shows 11.51
